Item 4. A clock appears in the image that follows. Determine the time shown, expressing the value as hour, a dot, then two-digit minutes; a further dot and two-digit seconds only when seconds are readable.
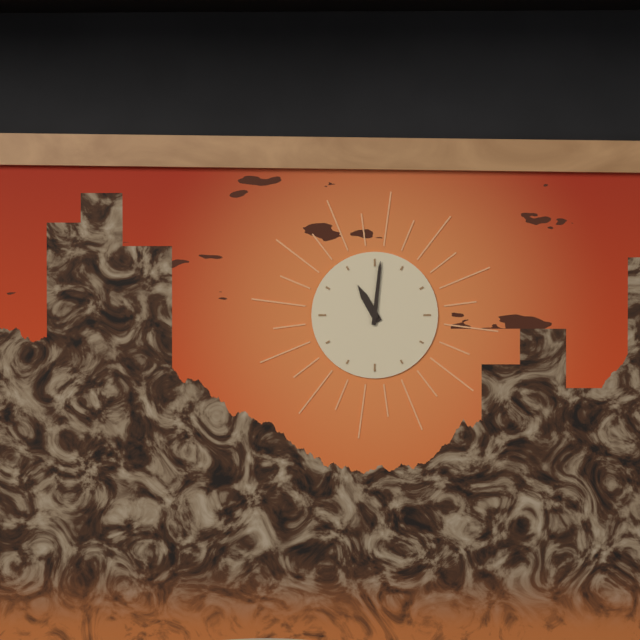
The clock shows 11.01
